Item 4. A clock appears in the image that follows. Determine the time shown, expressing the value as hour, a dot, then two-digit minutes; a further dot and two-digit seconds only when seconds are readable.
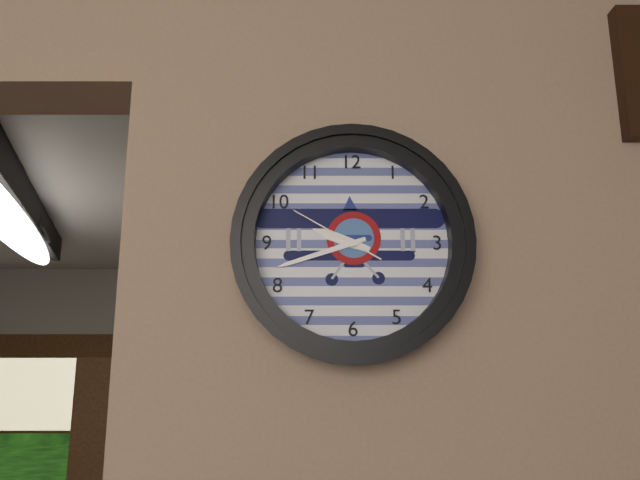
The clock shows 9.42.50
